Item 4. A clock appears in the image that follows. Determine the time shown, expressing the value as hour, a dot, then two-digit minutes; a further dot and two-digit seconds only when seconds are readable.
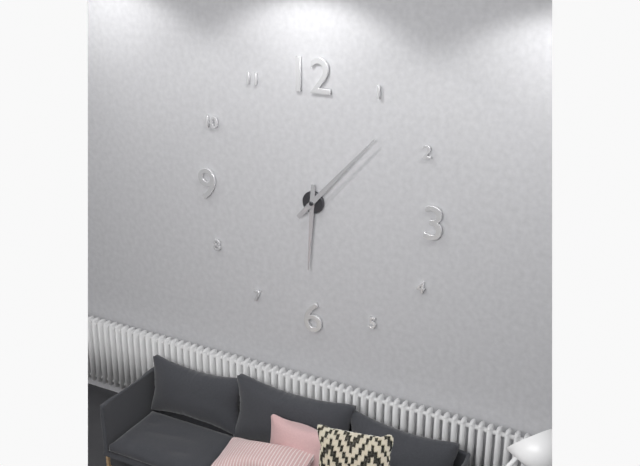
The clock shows 6.07
